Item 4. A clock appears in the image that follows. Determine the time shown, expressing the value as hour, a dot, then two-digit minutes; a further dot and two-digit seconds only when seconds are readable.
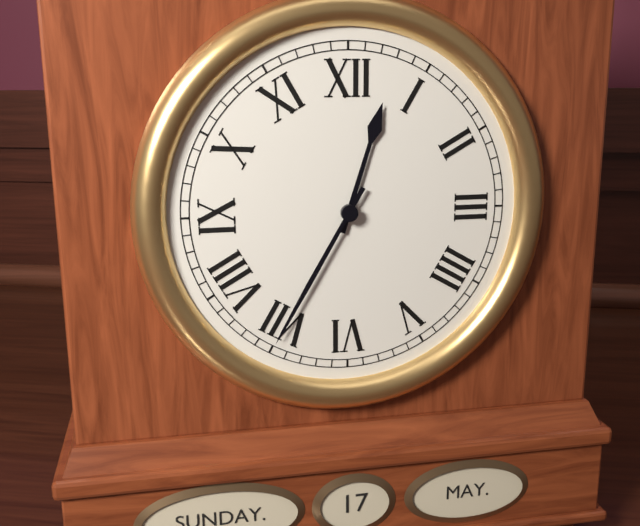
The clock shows 12.35
